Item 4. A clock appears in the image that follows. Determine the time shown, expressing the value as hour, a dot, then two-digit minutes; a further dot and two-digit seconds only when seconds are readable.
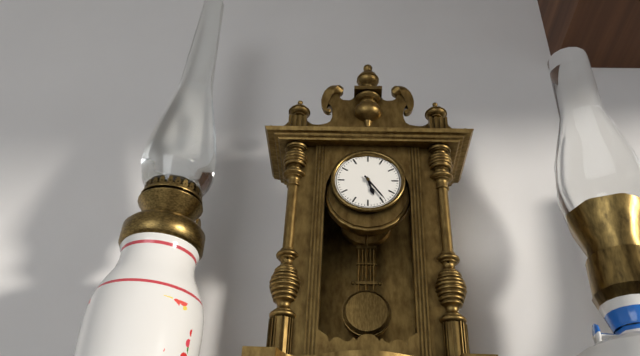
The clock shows 5.24
